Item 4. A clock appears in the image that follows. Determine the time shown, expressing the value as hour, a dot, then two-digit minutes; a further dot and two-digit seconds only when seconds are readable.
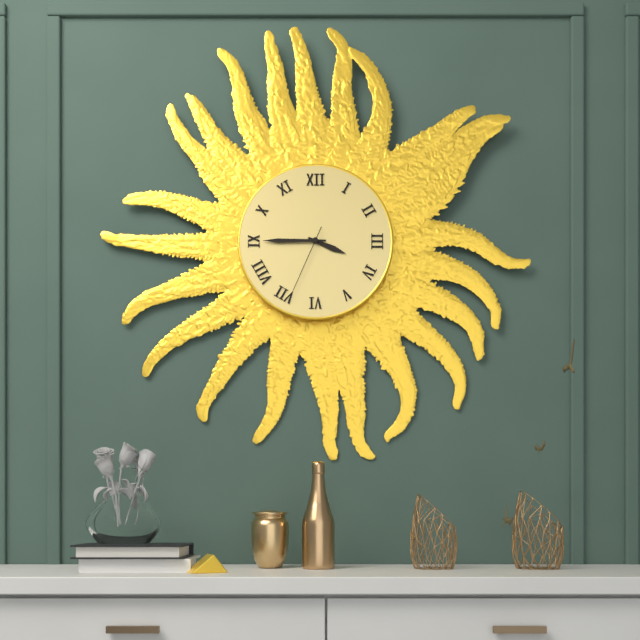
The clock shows 3.45.34
